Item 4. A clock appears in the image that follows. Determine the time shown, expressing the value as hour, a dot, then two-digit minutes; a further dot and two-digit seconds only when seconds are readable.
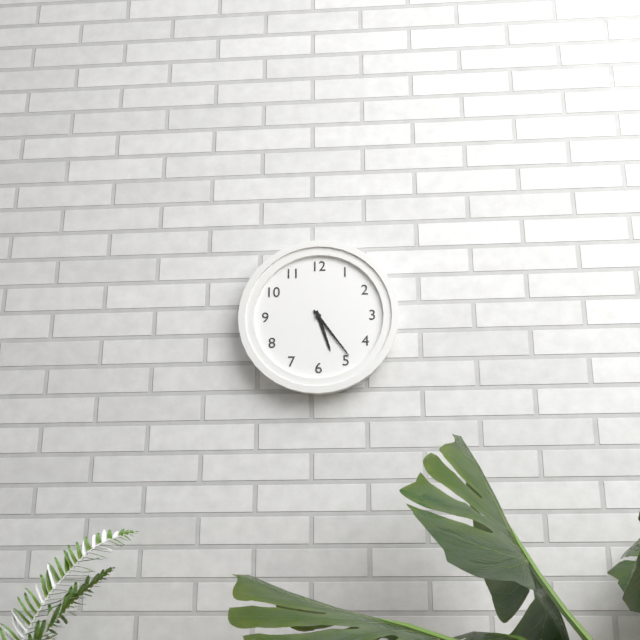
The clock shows 5.24
